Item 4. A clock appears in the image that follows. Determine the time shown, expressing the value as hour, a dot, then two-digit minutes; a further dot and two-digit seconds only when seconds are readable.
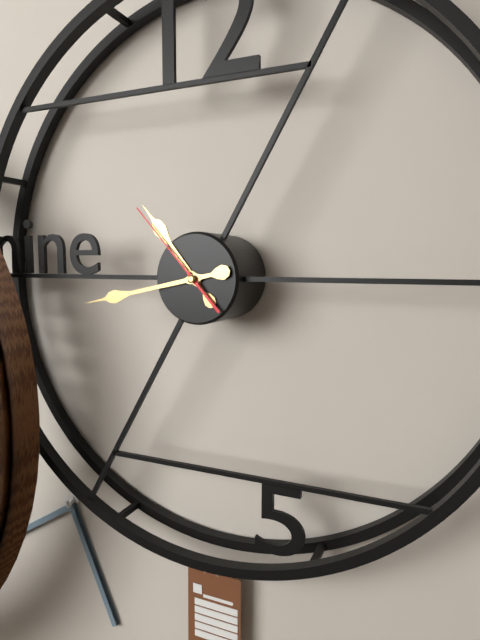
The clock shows 10.43.53
